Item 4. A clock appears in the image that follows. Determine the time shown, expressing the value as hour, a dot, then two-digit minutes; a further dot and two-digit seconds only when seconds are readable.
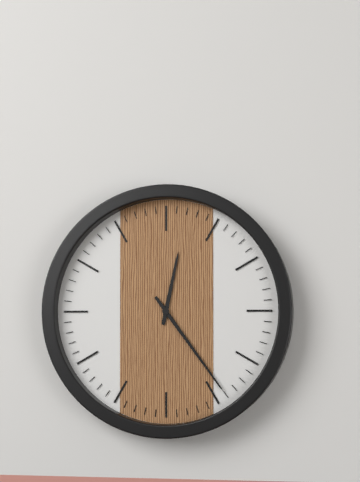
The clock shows 12.24
